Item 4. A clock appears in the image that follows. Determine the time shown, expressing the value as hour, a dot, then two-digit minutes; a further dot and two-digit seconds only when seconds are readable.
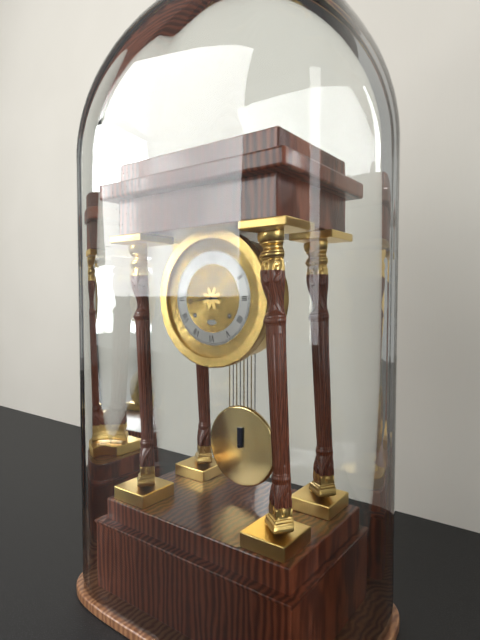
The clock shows 8.46
